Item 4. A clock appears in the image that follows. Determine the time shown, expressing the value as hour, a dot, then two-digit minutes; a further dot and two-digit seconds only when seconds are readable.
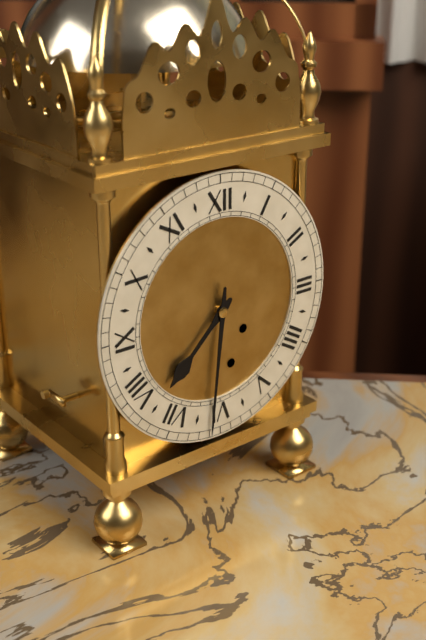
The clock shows 7.31
